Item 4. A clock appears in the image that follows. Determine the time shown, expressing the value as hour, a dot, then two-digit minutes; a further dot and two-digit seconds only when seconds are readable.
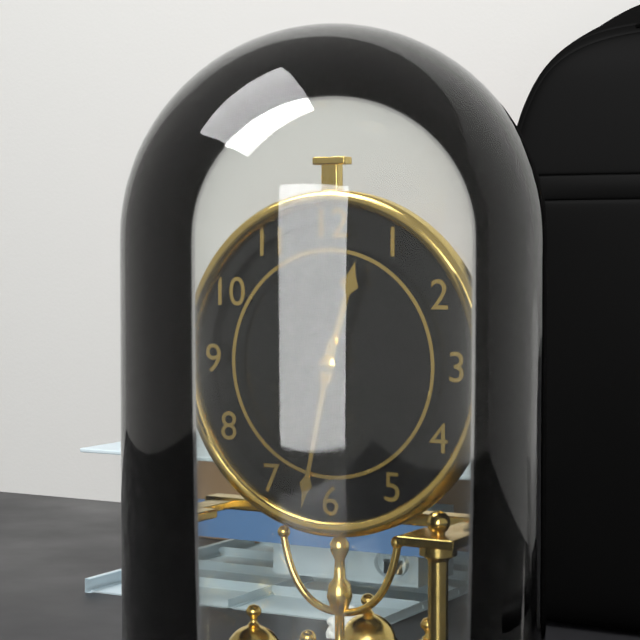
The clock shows 12.32
